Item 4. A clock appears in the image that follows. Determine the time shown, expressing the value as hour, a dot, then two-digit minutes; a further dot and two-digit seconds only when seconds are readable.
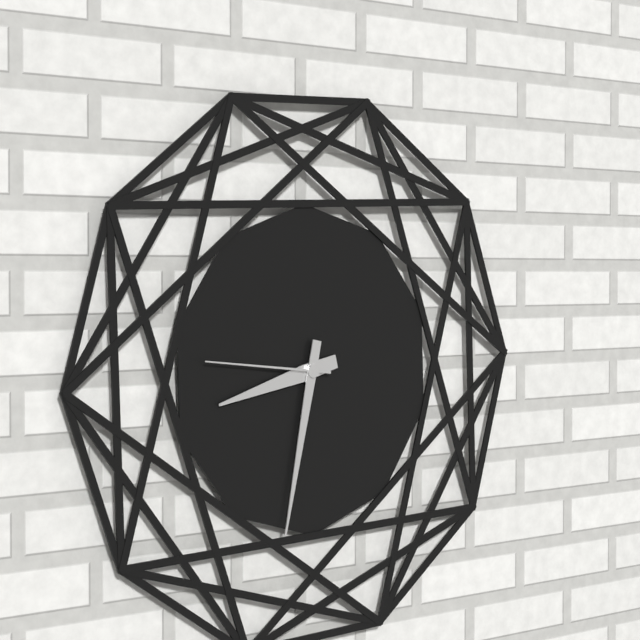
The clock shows 8.32.46
